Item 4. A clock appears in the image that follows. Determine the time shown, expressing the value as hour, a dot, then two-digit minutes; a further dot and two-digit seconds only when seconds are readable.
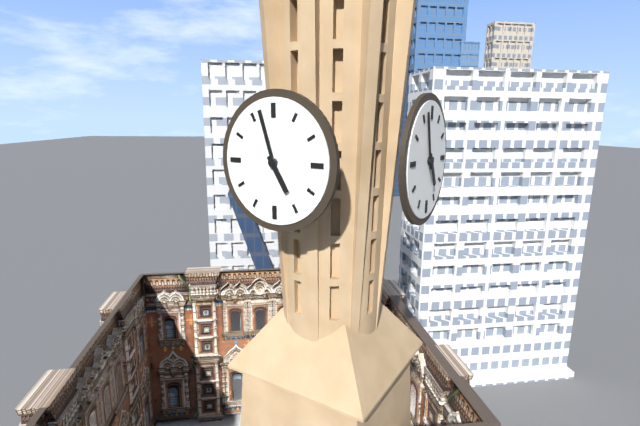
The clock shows 4.57
